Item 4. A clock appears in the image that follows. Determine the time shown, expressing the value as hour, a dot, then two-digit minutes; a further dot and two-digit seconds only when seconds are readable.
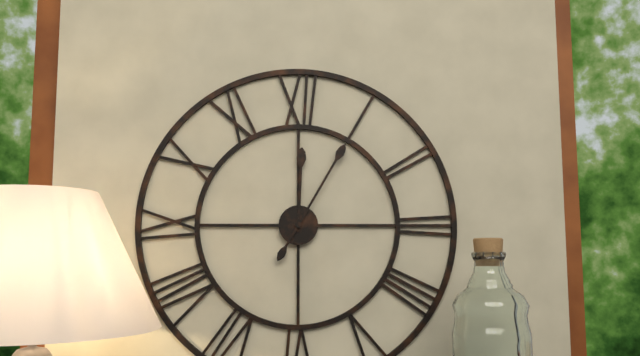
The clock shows 12.05
